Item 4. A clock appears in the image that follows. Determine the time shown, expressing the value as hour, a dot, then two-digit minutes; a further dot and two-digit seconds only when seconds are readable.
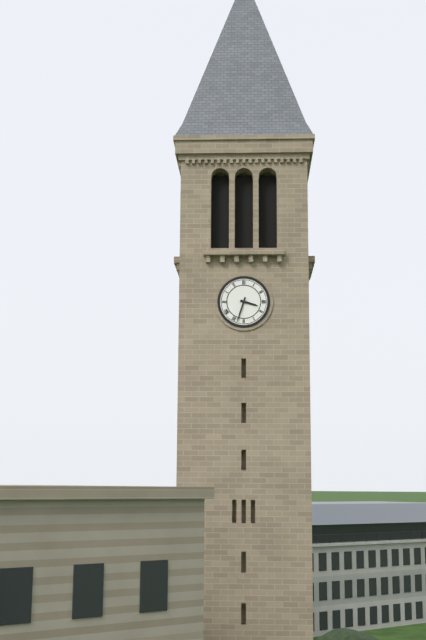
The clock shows 3.33
